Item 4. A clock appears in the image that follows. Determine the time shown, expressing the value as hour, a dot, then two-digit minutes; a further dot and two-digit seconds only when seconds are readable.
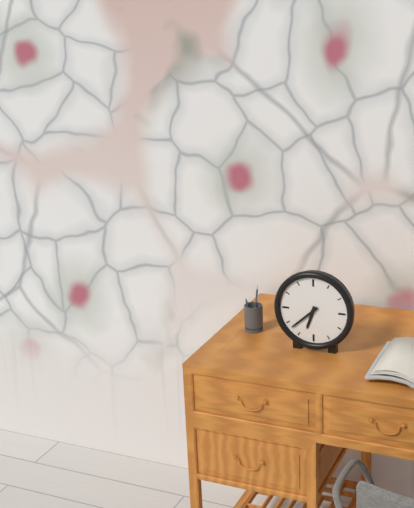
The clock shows 6.38
